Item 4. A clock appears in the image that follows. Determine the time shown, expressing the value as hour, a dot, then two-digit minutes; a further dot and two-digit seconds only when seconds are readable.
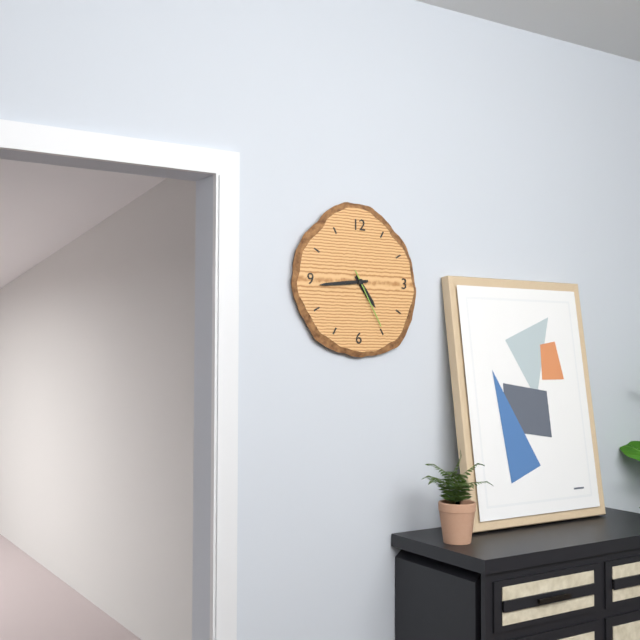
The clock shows 4.44.25
